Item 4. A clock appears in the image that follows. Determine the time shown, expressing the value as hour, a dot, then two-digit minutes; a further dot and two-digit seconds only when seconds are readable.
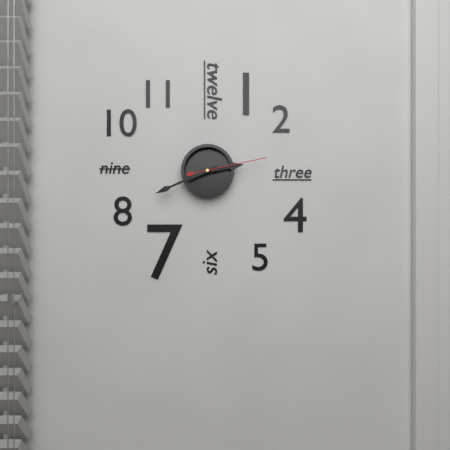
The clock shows 2.41.13
